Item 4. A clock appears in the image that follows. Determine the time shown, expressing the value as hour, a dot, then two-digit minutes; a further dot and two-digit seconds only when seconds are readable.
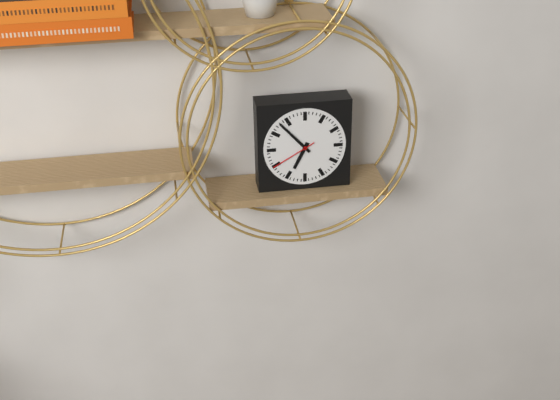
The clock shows 6.53
